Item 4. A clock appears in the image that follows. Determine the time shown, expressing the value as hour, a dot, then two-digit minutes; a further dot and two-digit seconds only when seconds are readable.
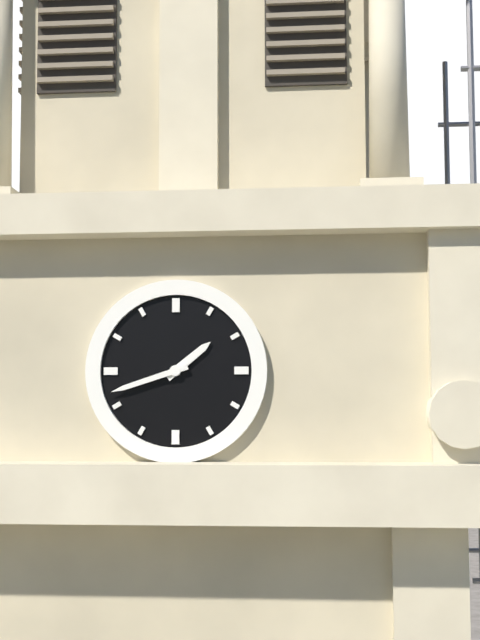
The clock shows 1.42
